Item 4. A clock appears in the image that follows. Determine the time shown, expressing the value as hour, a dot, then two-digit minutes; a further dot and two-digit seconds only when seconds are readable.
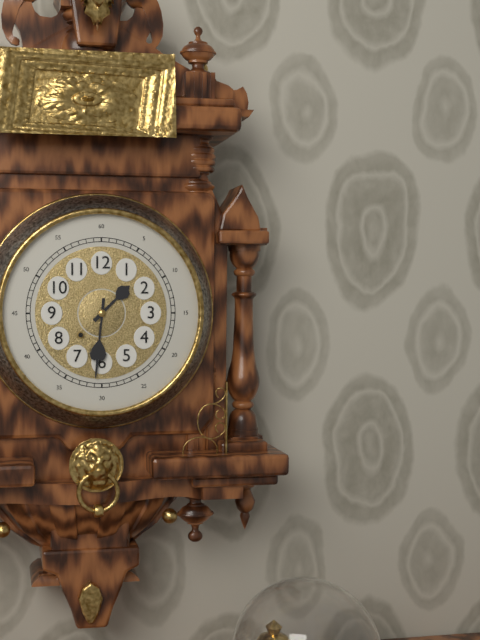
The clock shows 1.31
